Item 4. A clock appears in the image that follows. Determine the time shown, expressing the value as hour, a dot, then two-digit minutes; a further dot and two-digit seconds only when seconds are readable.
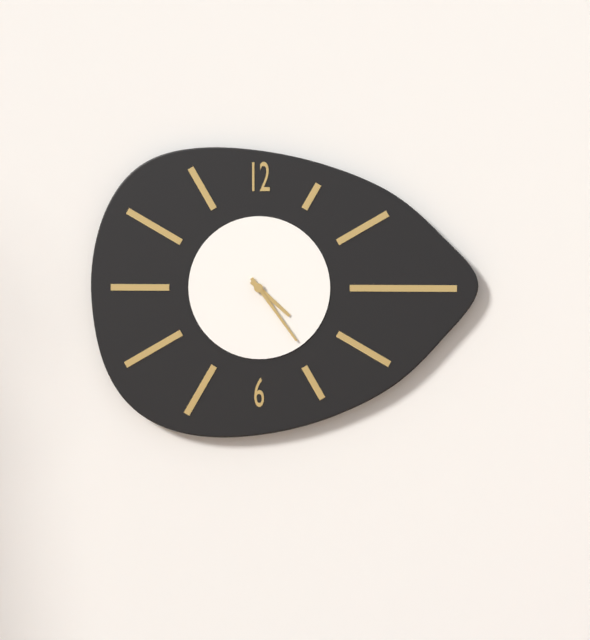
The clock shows 4.24
